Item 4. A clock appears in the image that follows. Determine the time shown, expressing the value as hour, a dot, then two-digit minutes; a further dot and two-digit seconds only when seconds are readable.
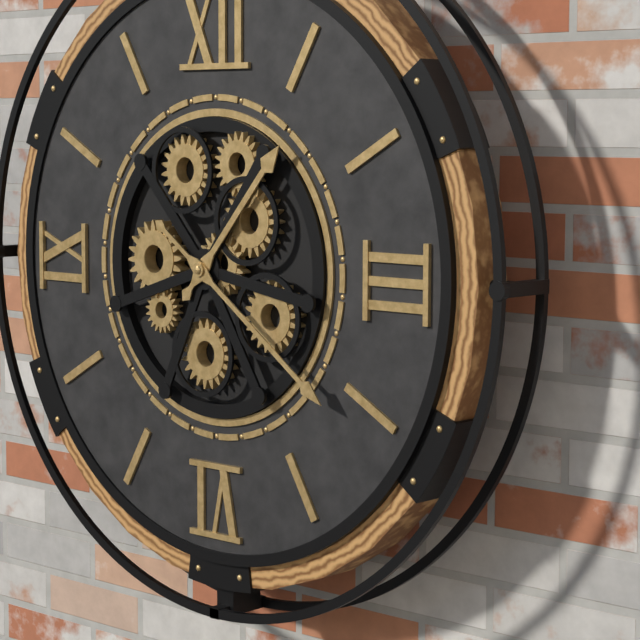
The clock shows 1.21
